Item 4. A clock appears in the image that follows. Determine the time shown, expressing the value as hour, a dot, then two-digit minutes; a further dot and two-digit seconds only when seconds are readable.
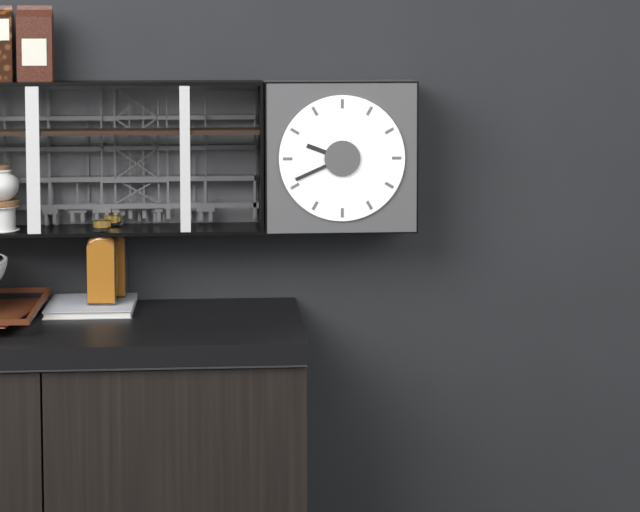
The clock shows 9.41
